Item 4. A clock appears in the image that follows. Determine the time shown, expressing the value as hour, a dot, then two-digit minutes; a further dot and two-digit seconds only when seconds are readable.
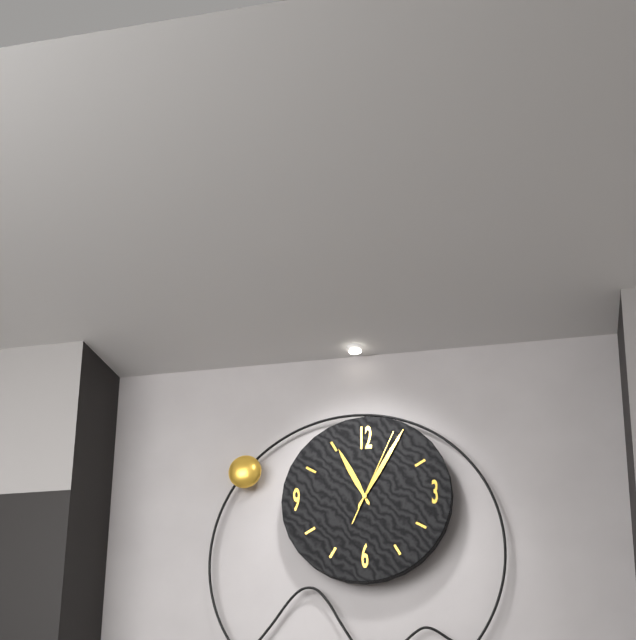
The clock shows 11.05.04
